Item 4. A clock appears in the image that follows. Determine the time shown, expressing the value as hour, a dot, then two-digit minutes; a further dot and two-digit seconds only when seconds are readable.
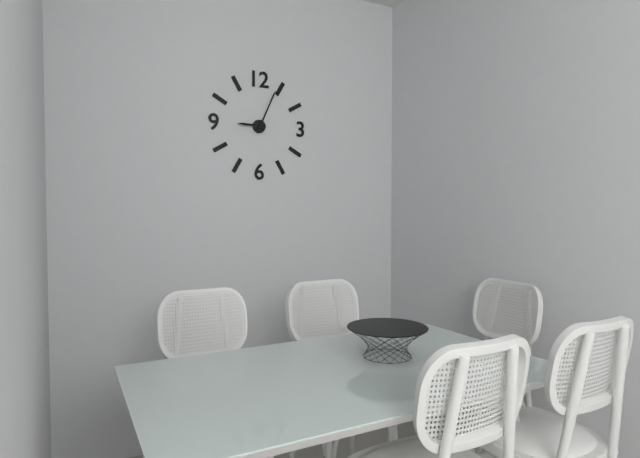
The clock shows 9.04
